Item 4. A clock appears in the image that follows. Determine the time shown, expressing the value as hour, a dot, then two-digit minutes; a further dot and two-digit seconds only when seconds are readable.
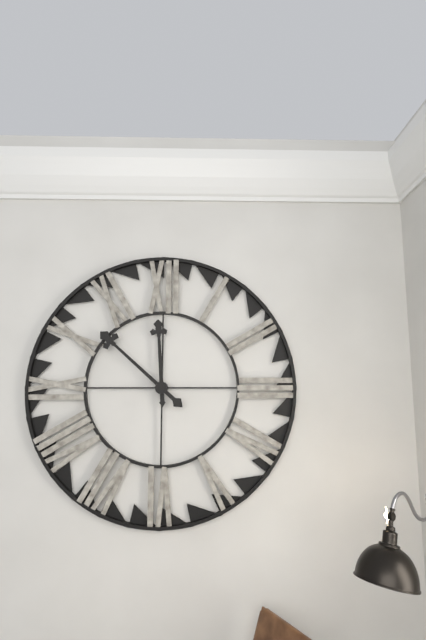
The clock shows 11.52
